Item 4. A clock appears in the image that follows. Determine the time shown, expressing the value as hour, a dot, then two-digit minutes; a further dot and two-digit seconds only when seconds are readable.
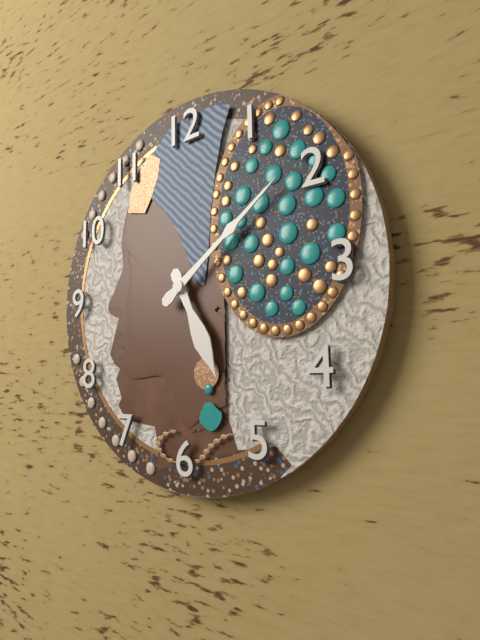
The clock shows 5.09
